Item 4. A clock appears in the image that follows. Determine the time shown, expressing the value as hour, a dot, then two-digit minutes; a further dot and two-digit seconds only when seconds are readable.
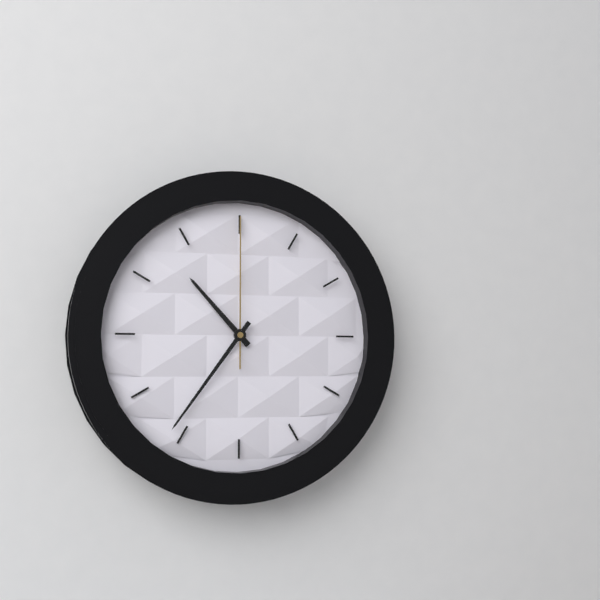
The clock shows 10.36.00
